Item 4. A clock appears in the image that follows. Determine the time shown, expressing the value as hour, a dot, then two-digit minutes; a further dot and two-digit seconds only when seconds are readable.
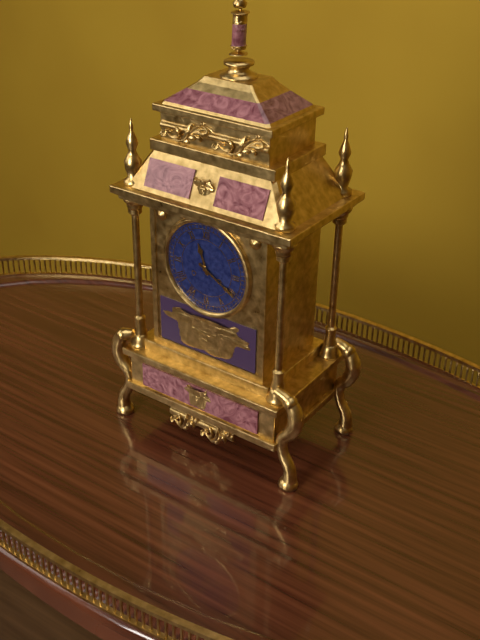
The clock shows 11.20
